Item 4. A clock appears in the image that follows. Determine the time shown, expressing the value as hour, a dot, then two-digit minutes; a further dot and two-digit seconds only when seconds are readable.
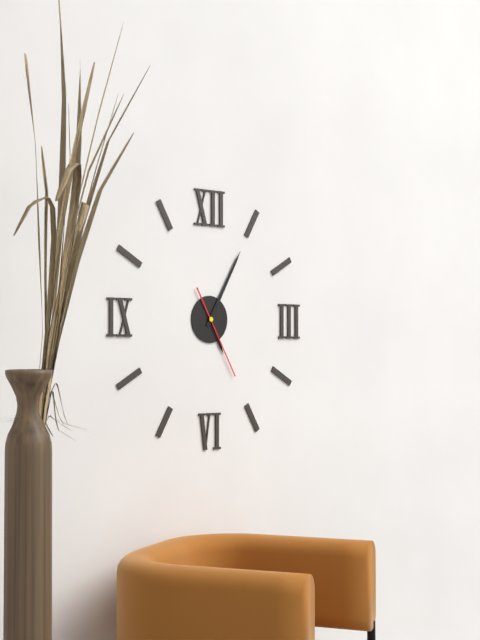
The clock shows 5.05.25
